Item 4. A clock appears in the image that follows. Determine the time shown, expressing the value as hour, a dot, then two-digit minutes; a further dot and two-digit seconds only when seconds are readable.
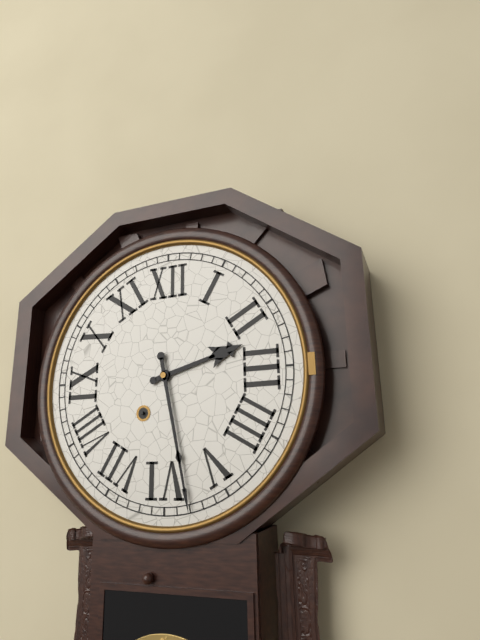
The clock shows 2.28
